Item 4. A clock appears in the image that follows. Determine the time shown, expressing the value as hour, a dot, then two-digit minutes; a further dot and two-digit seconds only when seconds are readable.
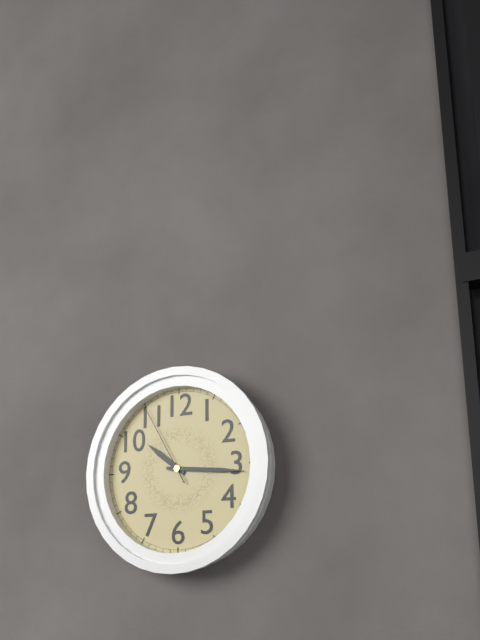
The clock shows 10.16.55
